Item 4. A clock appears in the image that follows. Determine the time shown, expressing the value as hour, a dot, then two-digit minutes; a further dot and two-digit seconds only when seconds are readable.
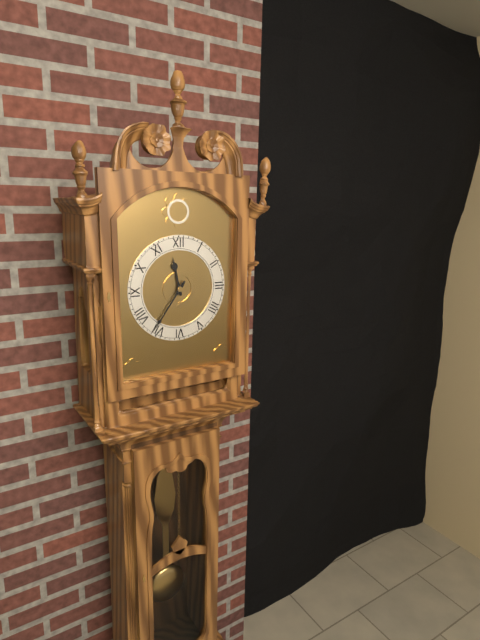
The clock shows 11.36
